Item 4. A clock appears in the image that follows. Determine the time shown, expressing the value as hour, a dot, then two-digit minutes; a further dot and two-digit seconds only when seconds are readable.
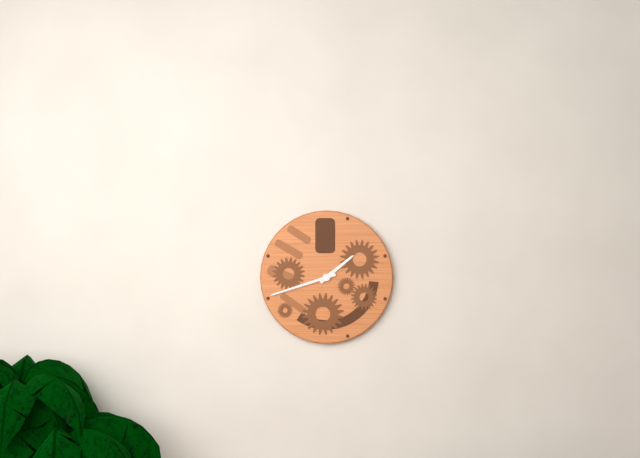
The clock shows 1.42
